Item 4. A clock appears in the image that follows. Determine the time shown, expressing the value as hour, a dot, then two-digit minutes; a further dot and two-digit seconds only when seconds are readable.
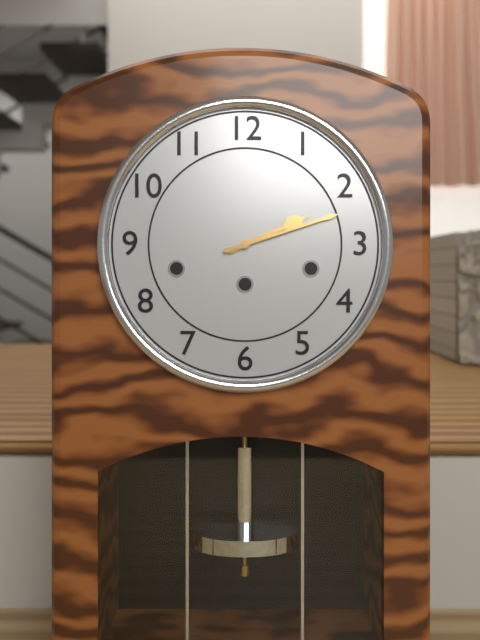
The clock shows 2.12
